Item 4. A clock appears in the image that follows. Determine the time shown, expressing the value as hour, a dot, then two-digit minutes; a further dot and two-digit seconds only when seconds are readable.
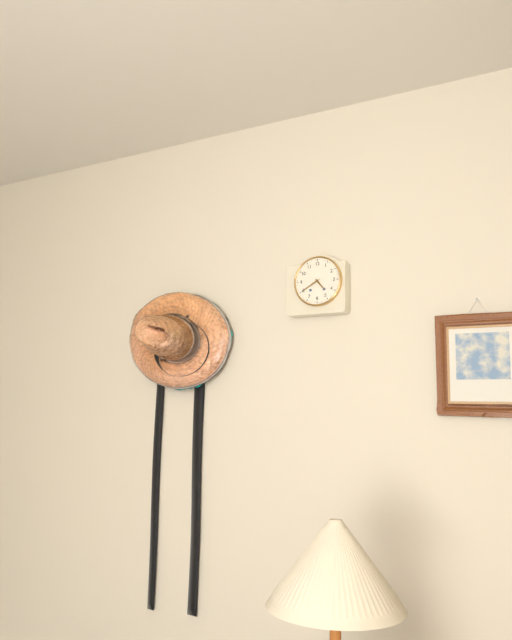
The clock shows 4.40
